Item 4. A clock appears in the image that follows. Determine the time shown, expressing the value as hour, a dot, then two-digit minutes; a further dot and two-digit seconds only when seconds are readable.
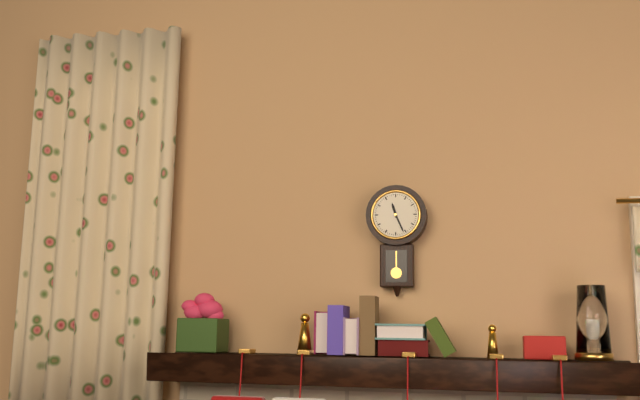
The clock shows 11.26
